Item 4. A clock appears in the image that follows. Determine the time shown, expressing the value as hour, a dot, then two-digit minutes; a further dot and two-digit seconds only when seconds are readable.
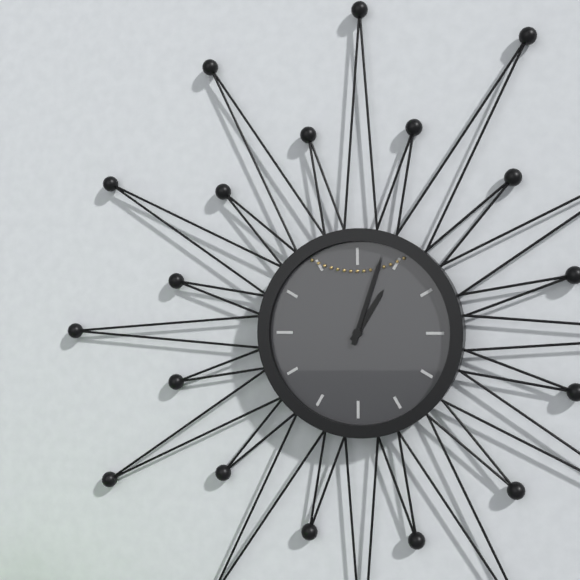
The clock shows 1.03
